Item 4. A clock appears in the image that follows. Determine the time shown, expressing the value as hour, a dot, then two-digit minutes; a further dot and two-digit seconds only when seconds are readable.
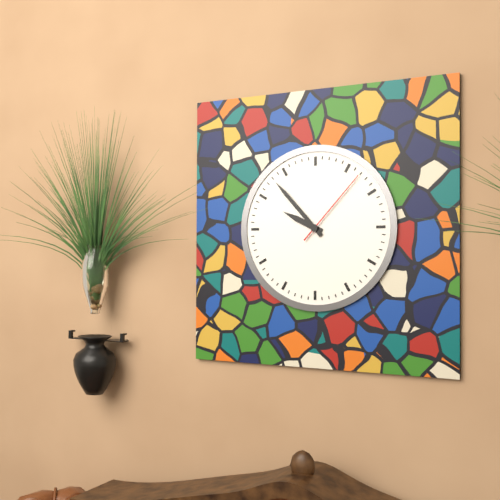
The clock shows 9.53.07
